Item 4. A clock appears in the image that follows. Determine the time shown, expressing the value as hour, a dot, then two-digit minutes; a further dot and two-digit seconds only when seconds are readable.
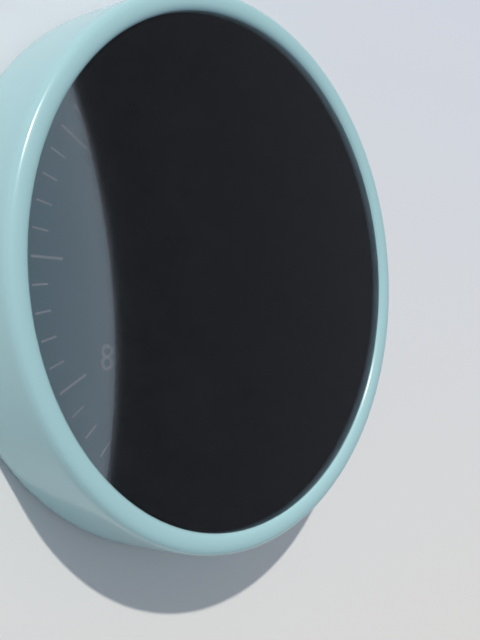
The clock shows 5.24.03
